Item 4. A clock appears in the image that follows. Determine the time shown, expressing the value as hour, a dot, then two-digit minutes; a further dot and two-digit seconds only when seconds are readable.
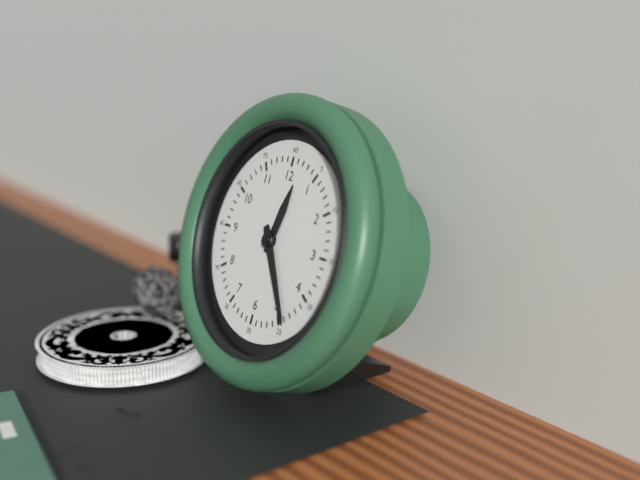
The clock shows 12.24
